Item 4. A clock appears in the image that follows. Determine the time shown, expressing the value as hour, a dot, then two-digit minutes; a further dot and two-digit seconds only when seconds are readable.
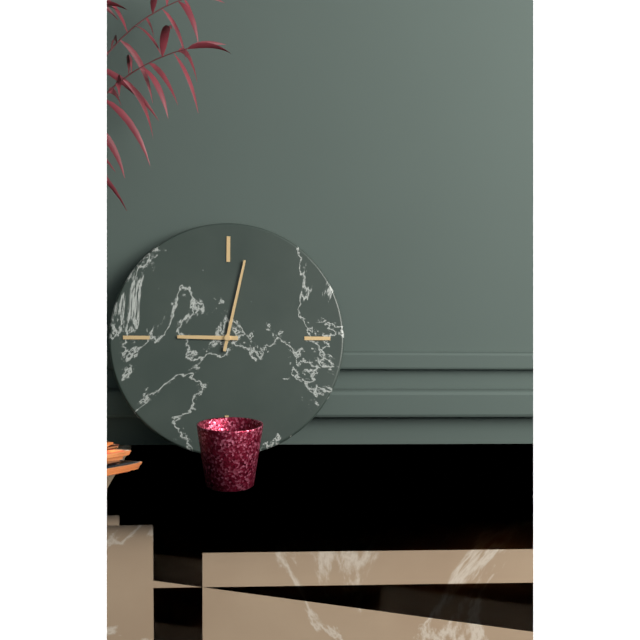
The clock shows 9.02
